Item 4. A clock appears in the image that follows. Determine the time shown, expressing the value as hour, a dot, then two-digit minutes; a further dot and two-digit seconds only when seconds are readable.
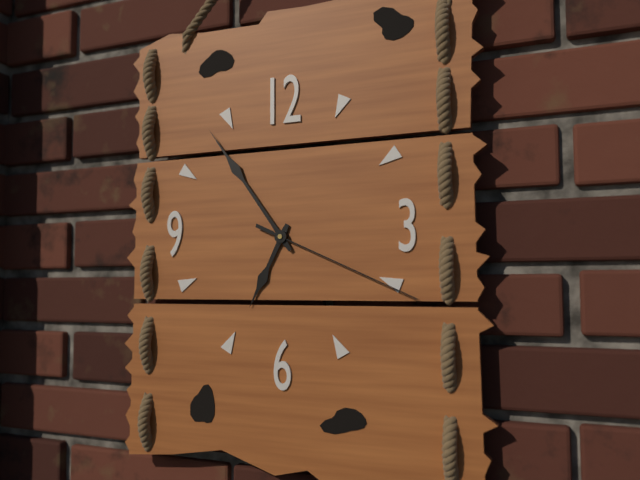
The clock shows 6.54.19
